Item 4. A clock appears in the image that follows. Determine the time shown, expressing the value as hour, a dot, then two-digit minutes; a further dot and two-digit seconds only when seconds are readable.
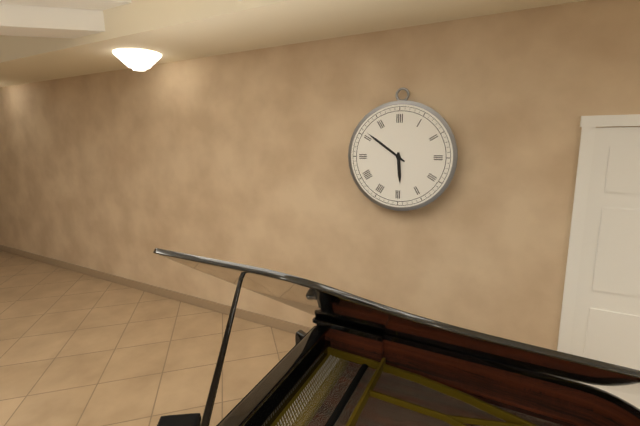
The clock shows 5.51
